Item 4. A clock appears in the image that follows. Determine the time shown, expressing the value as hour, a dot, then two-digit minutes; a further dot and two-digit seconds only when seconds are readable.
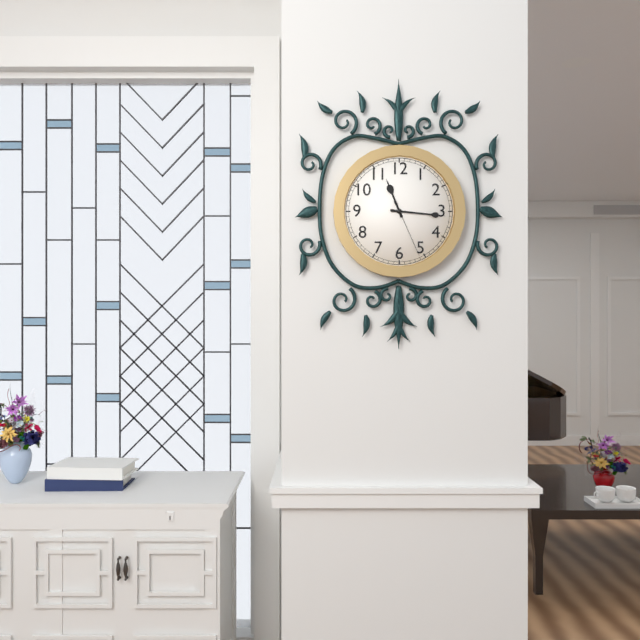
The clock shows 11.16.26
